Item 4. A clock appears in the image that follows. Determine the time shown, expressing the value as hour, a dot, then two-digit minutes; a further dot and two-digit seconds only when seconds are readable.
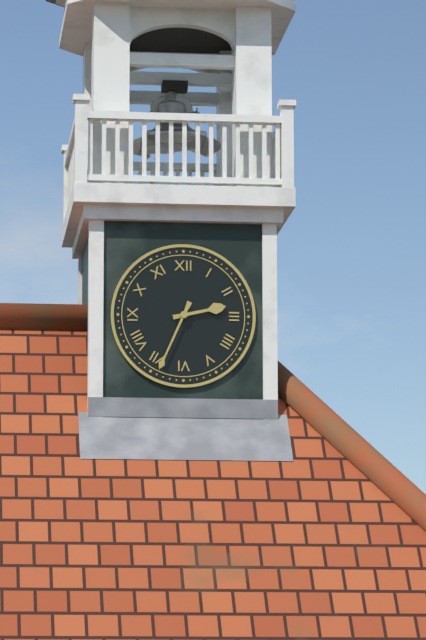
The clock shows 2.34
